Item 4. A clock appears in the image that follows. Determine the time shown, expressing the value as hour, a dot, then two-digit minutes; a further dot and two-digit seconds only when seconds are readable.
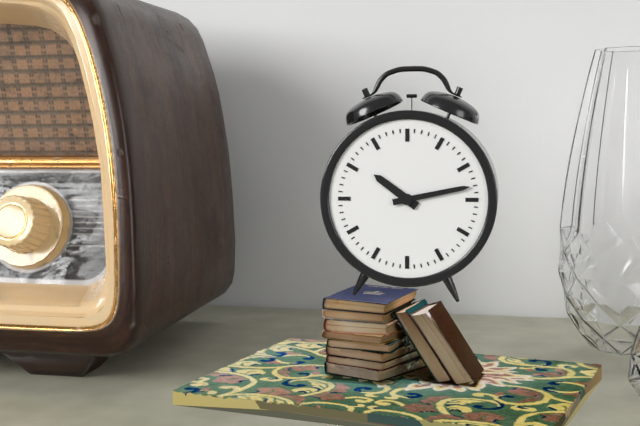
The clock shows 10.13
